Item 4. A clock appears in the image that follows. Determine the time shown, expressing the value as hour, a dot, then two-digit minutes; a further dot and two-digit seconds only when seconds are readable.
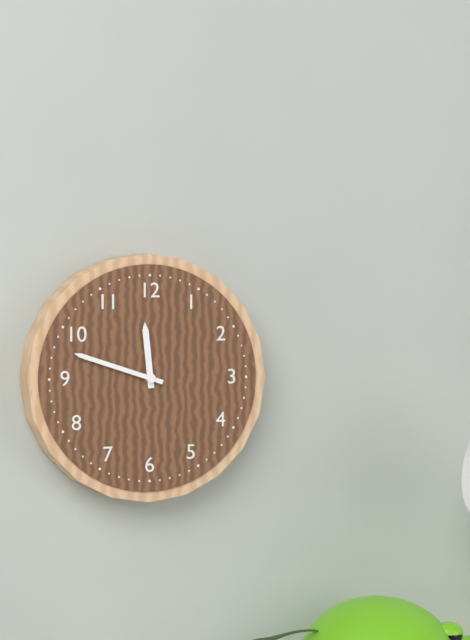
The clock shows 11.48
